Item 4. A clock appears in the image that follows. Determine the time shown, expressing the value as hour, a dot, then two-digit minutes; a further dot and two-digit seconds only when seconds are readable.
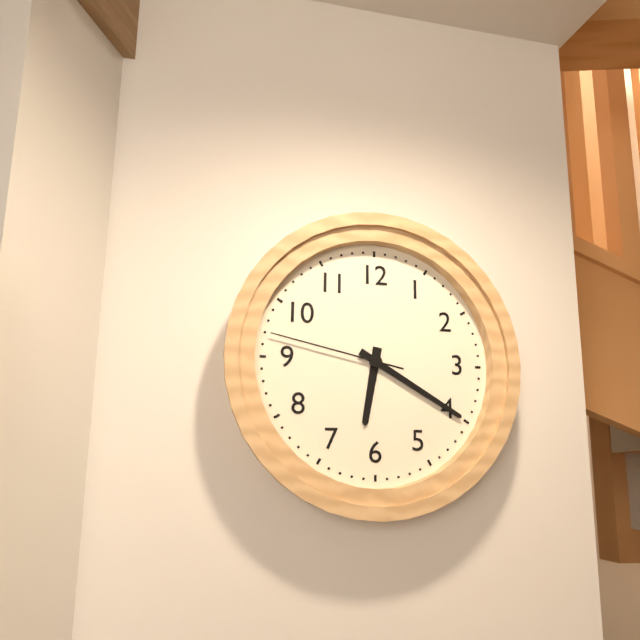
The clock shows 6.20.47
